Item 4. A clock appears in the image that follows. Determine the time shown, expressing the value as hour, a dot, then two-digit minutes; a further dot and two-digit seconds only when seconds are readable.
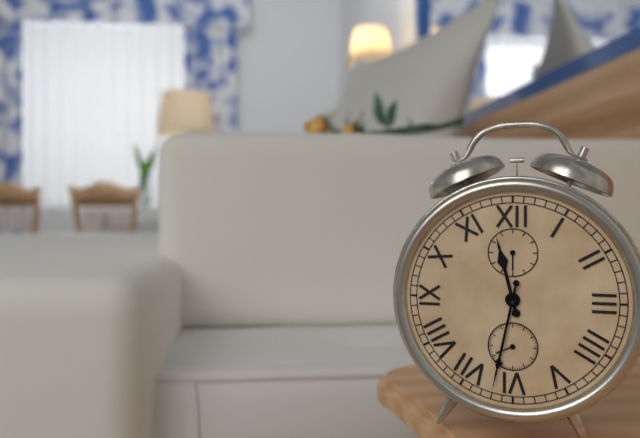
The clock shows 11.32
